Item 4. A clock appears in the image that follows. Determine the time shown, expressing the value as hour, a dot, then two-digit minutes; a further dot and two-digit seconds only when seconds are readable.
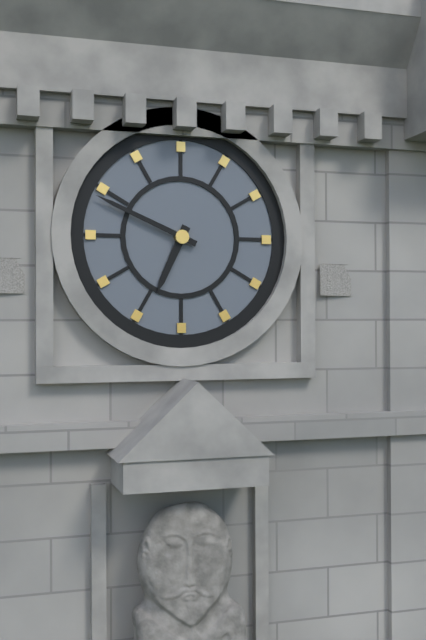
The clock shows 6.49
